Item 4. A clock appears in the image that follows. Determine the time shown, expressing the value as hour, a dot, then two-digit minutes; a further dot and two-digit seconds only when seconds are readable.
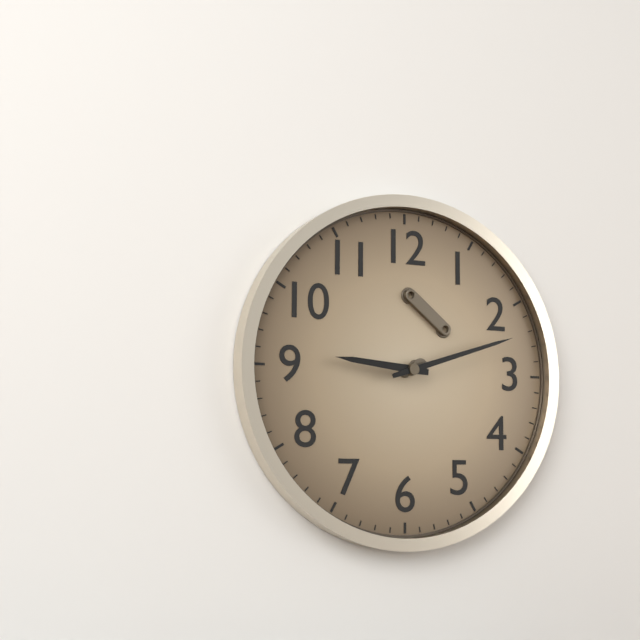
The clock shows 9.12
